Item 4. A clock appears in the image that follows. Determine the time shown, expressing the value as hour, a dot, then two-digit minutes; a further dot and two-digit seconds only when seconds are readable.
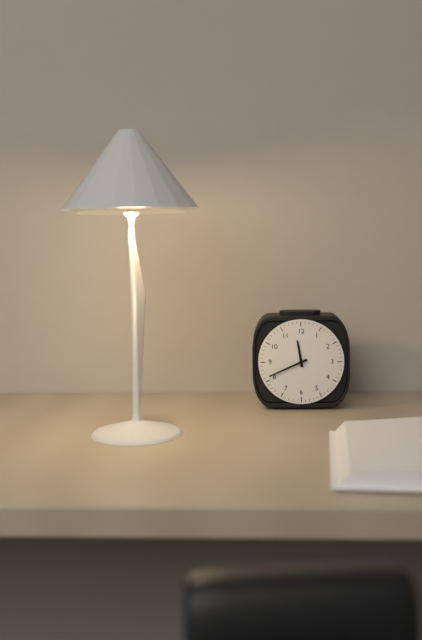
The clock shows 11.41
